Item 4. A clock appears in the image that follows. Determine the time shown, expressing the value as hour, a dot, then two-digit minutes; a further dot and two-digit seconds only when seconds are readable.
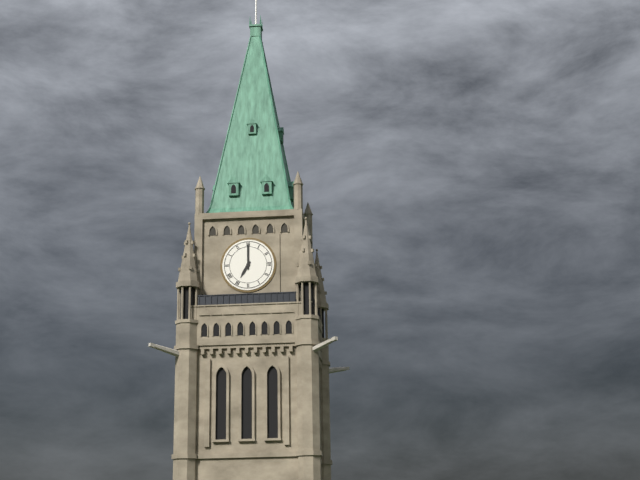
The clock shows 7.00
